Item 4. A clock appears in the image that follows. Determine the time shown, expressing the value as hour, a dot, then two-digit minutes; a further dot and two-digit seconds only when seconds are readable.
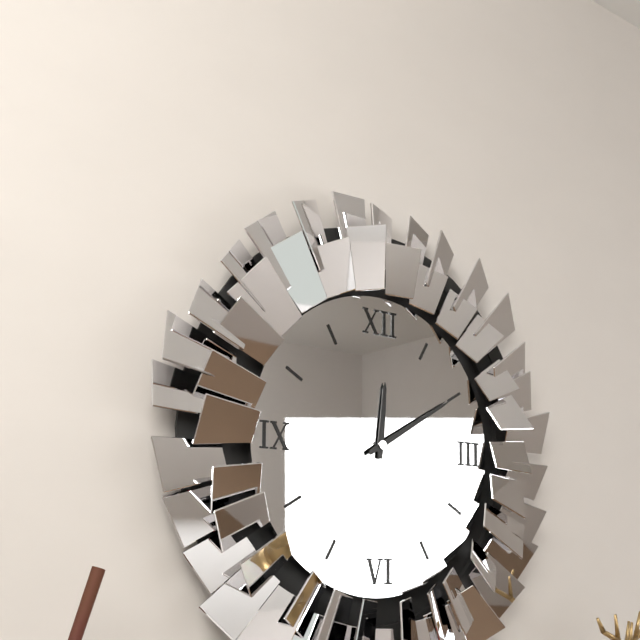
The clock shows 12.10
